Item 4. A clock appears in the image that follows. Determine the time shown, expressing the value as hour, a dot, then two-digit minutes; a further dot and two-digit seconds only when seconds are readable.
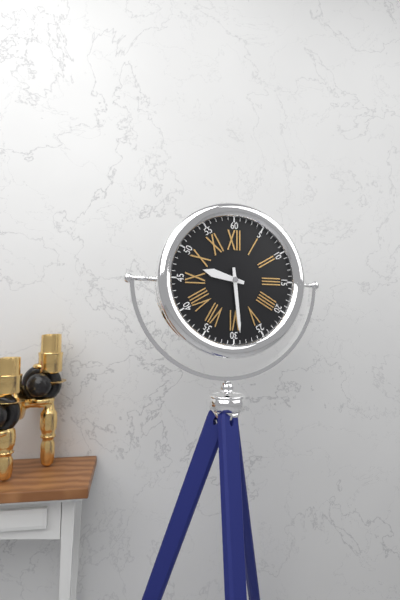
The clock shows 9.29
